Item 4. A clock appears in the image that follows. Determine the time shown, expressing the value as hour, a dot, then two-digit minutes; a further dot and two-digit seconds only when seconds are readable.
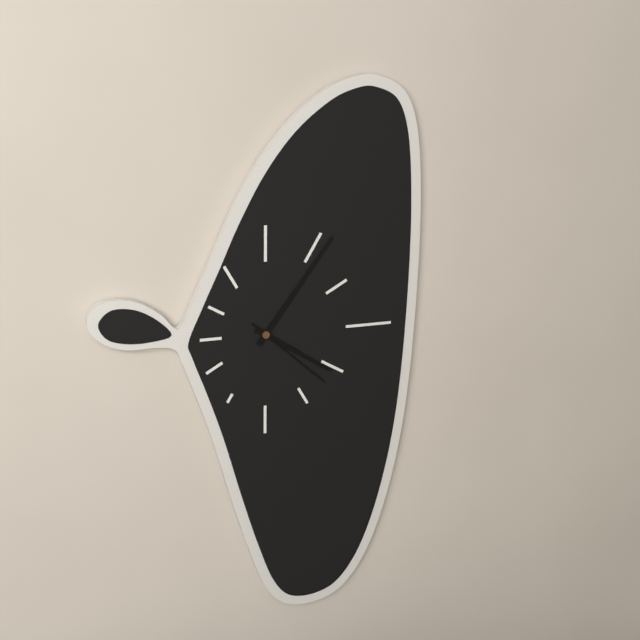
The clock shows 4.06.22
